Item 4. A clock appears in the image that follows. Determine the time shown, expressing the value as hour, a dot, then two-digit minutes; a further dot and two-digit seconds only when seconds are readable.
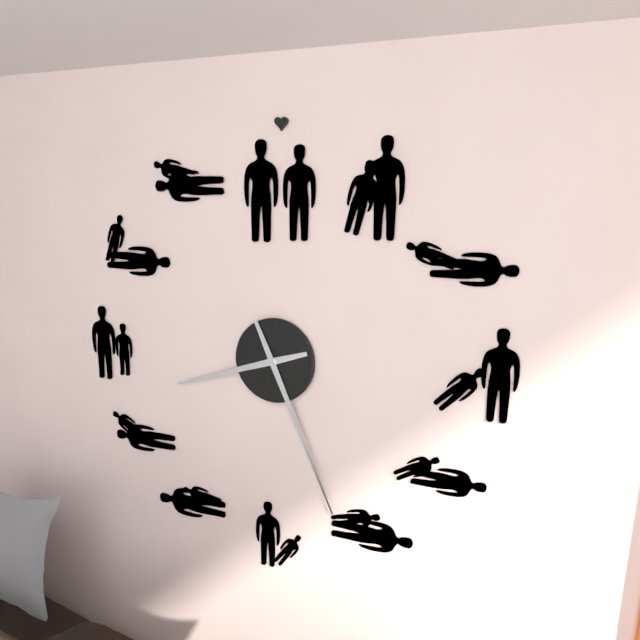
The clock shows 8.26
